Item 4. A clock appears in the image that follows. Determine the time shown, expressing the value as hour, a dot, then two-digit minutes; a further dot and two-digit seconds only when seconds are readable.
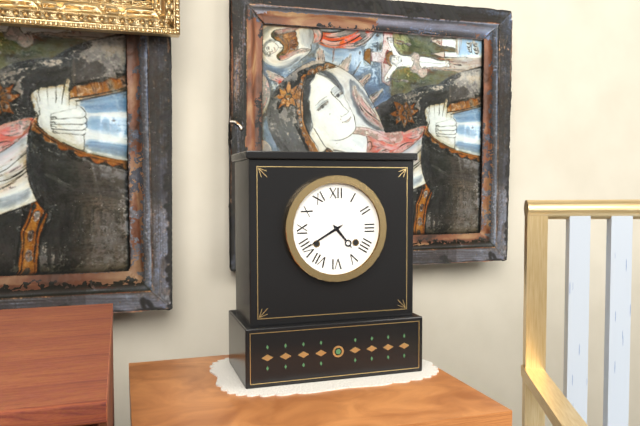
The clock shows 4.40
